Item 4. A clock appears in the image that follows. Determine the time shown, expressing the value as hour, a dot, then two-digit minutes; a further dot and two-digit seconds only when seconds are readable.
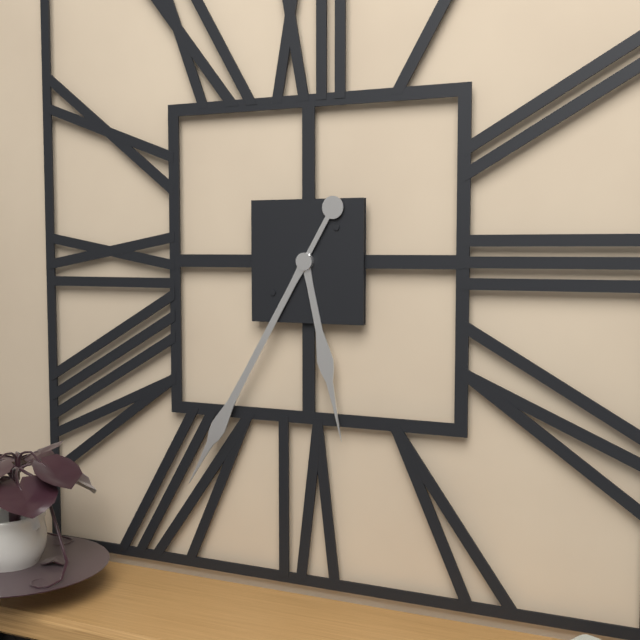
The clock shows 5.35
